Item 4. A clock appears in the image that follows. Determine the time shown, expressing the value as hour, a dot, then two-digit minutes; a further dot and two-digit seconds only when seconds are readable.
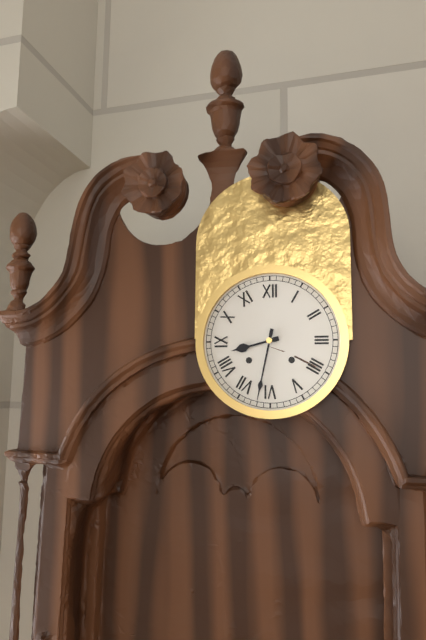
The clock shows 8.32
